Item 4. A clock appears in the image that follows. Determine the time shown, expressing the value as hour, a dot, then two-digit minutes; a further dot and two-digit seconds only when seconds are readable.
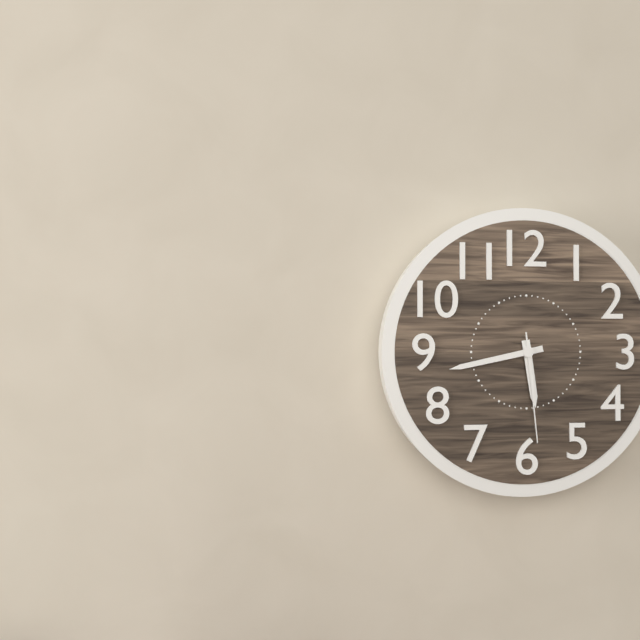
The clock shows 5.43.29
